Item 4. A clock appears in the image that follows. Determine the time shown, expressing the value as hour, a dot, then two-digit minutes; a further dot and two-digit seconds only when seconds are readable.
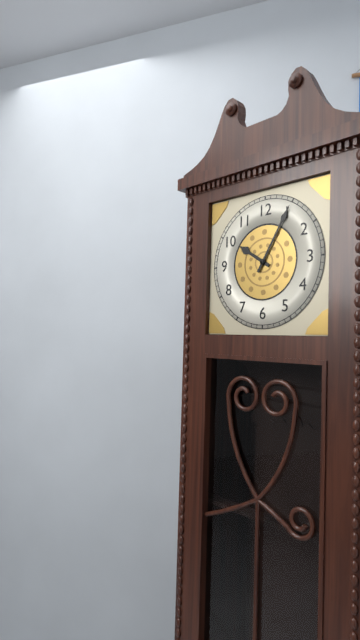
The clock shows 10.05
